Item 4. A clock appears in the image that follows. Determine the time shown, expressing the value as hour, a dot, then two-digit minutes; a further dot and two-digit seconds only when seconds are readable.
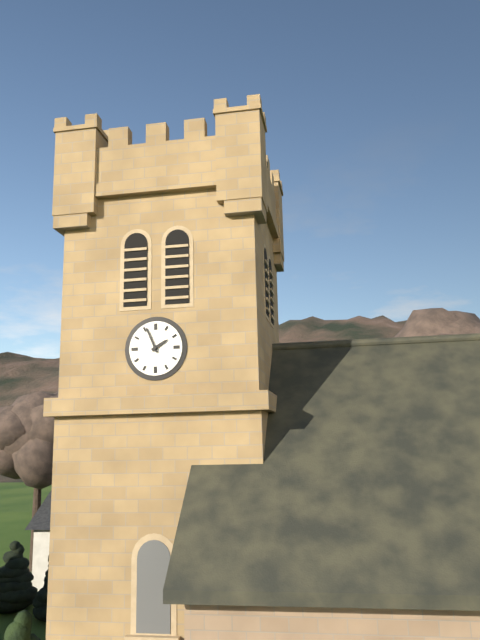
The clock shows 1.56
